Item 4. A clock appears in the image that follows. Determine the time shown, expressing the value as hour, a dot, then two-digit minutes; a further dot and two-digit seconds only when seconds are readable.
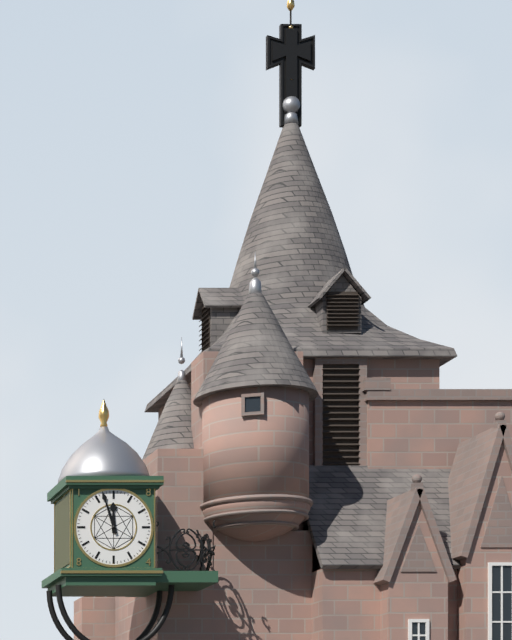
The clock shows 11.57
